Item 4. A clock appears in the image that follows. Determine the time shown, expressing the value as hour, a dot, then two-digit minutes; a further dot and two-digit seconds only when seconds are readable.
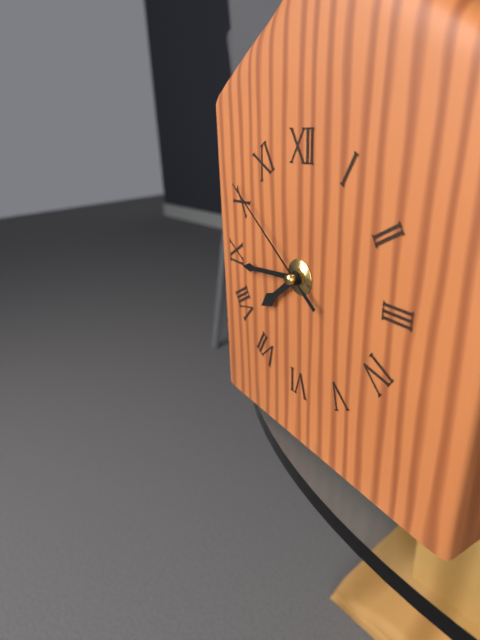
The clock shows 7.44.51
